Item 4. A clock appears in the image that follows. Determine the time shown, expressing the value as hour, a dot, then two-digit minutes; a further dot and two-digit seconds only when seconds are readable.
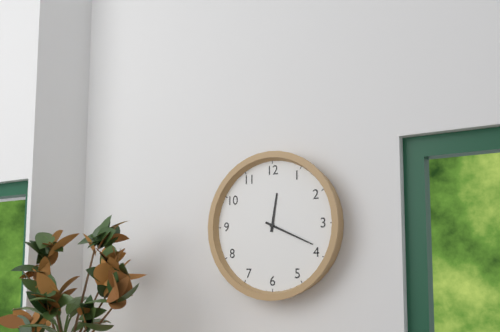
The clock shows 12.19
